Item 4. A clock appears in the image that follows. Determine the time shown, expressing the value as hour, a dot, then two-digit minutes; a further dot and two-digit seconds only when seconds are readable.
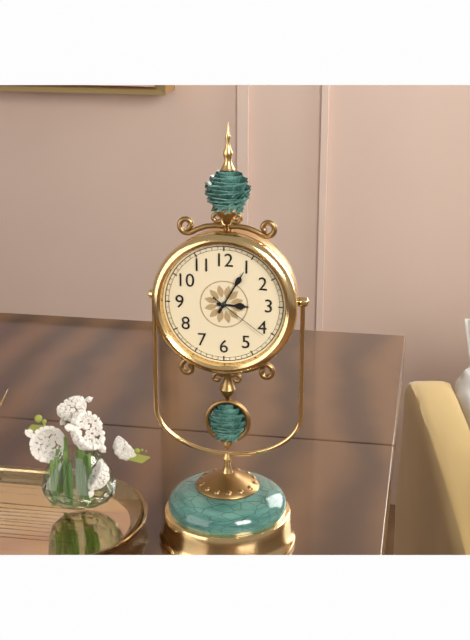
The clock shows 3.05.21
